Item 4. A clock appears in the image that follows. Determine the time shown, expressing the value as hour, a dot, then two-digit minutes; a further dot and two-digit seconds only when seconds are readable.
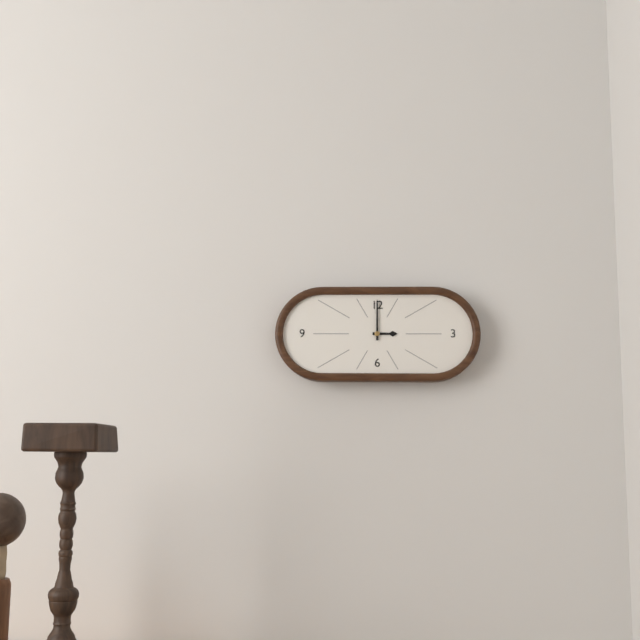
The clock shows 3.00
